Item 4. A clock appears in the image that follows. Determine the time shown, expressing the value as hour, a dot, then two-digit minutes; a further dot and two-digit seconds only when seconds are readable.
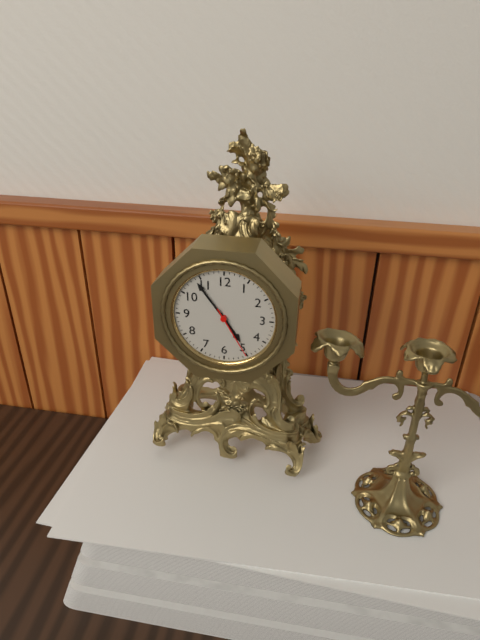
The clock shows 4.54.25
